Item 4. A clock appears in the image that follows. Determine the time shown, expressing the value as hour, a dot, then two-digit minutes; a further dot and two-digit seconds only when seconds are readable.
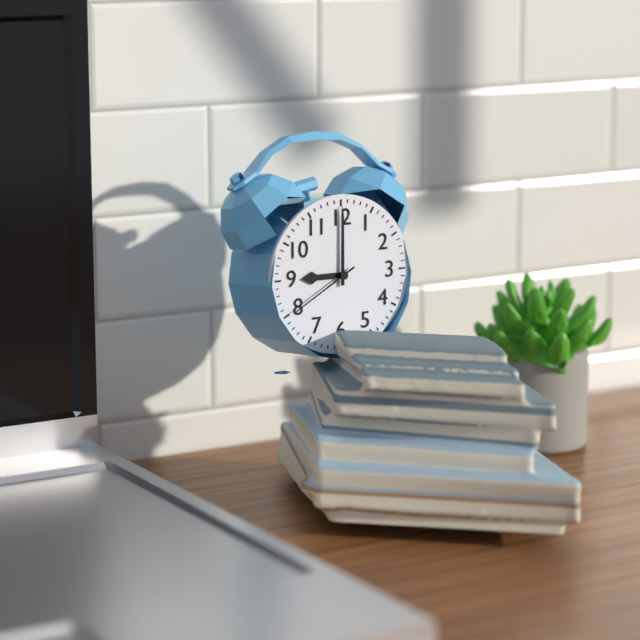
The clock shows 9.00.40
